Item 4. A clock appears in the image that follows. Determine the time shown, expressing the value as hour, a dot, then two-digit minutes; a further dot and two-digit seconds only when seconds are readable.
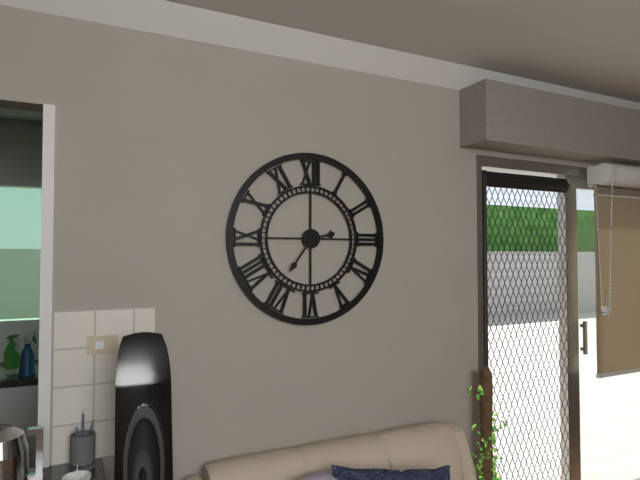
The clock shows 2.36
